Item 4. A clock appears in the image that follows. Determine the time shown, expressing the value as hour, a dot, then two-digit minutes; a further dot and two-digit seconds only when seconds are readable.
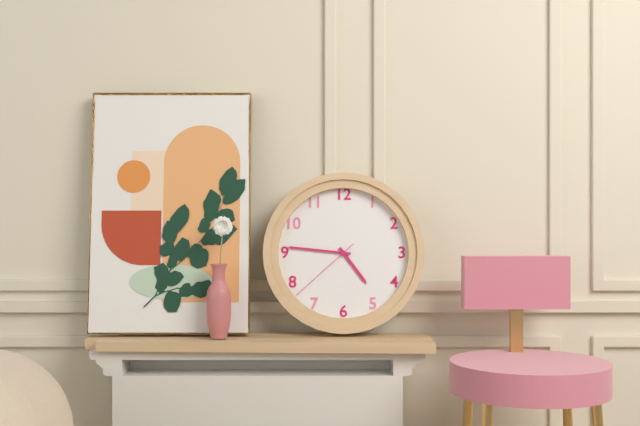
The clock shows 4.46.38
